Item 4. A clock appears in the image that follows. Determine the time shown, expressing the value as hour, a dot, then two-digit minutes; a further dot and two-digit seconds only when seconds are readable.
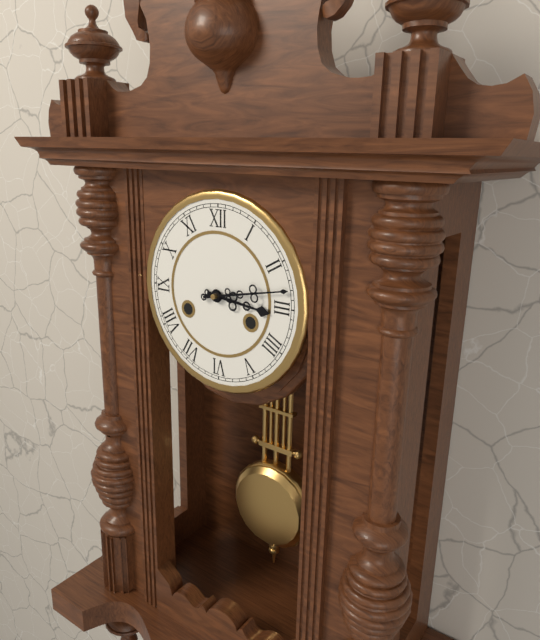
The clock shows 3.13
